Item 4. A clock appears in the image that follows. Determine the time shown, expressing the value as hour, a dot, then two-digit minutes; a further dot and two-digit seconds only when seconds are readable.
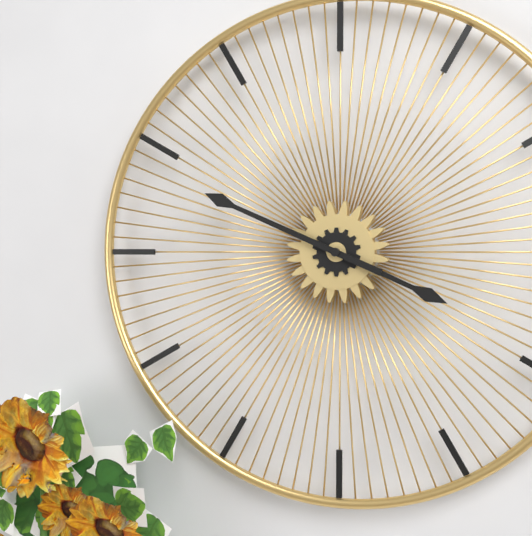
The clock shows 3.49
